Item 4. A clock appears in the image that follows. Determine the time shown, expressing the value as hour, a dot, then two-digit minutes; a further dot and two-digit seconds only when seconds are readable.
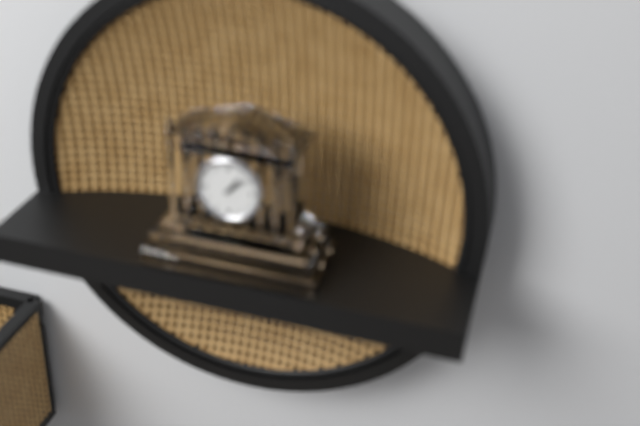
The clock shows 1.08
